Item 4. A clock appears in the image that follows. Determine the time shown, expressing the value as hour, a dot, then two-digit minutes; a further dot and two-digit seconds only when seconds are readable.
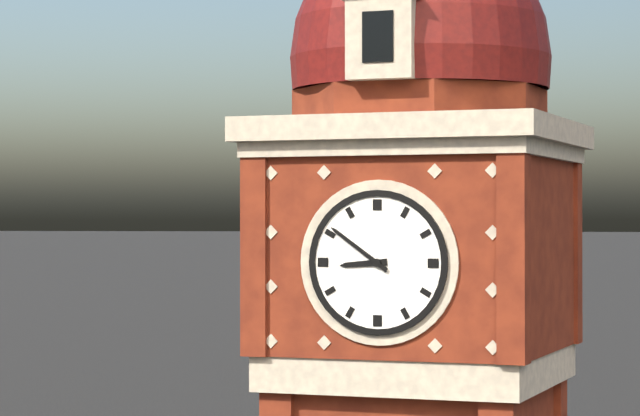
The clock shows 8.51
